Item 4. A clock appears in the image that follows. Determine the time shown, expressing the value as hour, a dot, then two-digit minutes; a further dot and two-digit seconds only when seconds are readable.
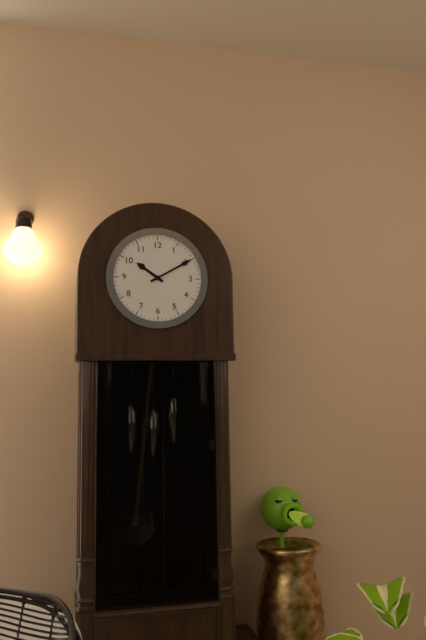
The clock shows 10.10
